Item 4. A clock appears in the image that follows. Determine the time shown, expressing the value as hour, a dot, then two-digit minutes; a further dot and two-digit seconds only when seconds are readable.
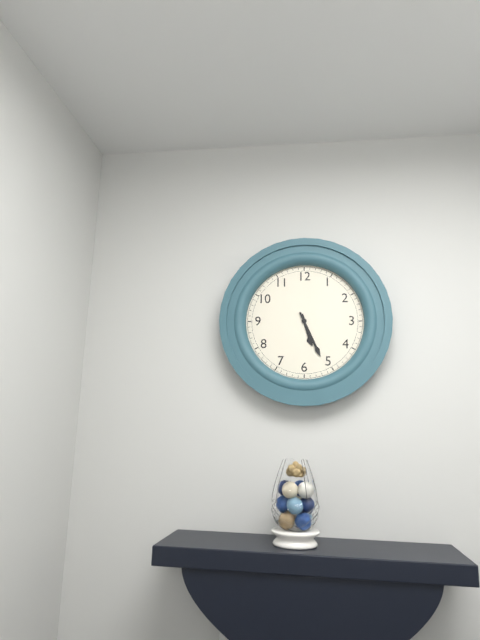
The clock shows 5.26
